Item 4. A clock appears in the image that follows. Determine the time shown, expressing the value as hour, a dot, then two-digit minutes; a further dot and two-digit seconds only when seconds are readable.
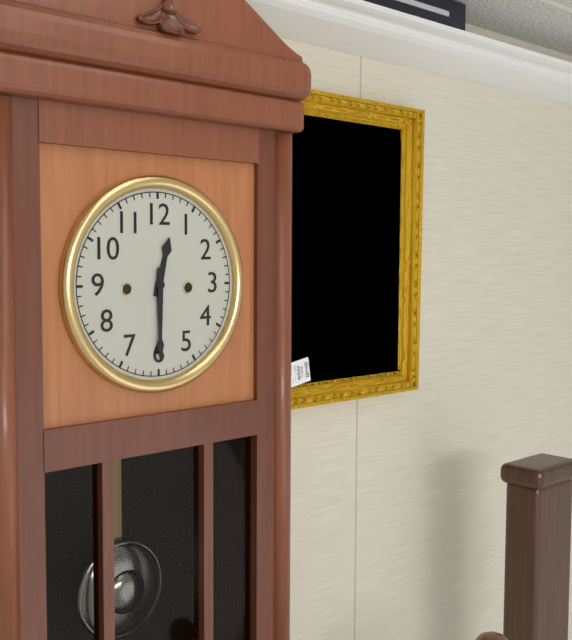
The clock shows 12.30
